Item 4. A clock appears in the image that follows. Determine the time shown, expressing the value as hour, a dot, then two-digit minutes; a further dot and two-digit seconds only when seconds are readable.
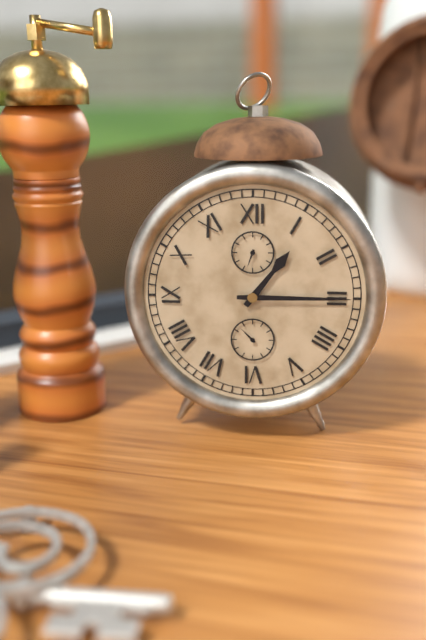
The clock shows 1.15
